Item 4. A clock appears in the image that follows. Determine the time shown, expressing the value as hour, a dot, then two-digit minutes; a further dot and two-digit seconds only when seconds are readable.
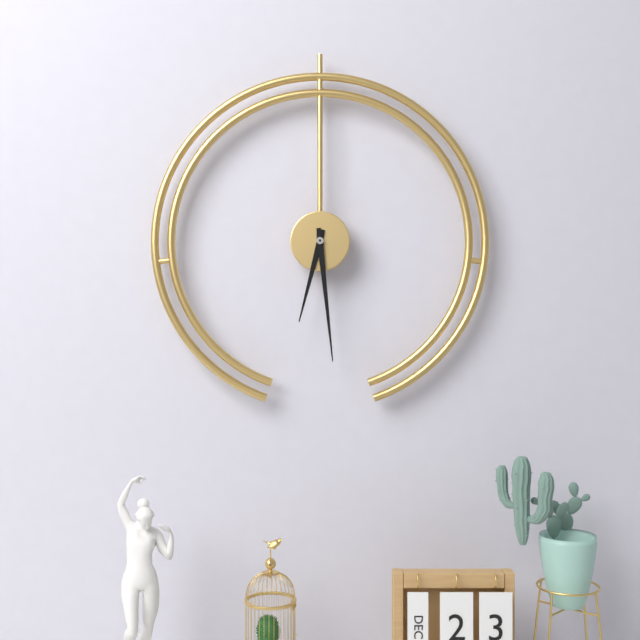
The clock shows 6.29
